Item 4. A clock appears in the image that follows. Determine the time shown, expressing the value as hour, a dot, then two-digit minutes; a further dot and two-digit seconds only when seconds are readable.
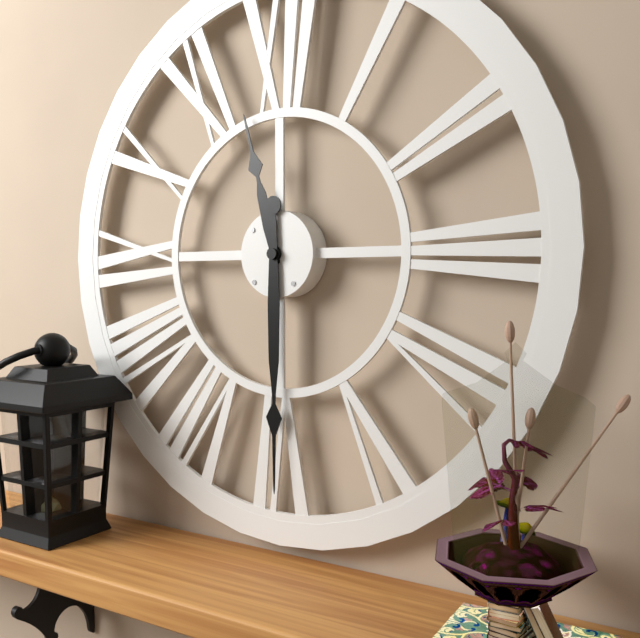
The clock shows 11.30
